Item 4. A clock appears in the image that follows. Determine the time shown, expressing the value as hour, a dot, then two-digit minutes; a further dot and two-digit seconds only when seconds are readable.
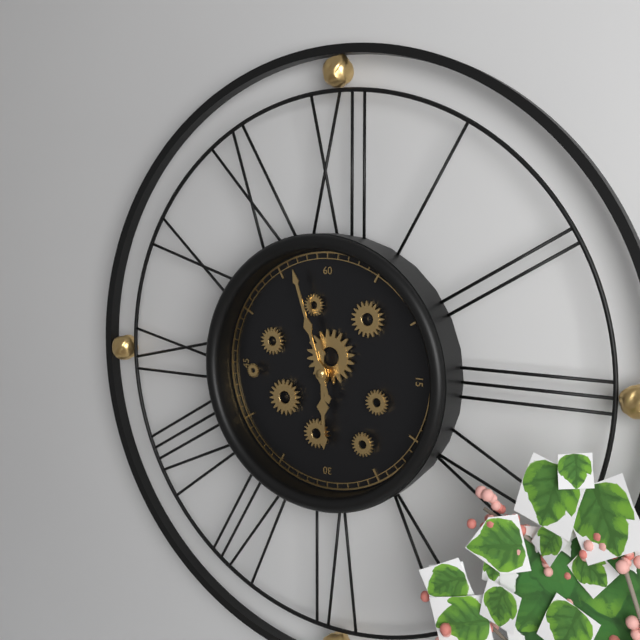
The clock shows 5.57
